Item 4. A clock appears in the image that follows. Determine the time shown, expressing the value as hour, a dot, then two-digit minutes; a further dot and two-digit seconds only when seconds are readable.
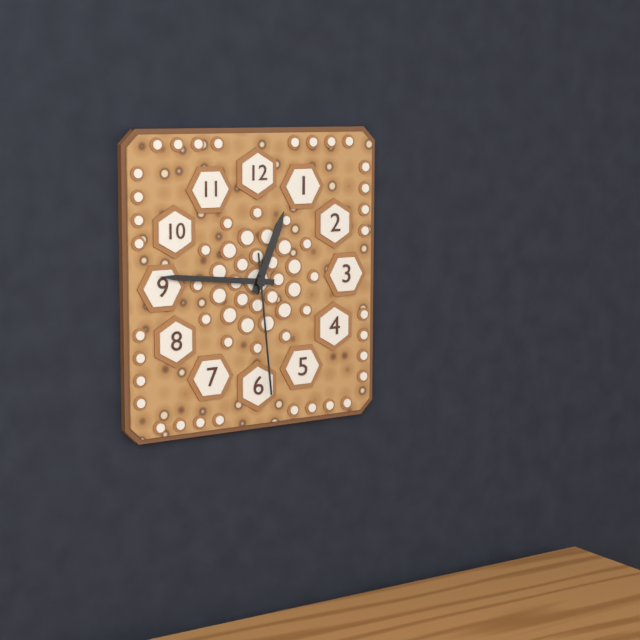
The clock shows 12.46.29
